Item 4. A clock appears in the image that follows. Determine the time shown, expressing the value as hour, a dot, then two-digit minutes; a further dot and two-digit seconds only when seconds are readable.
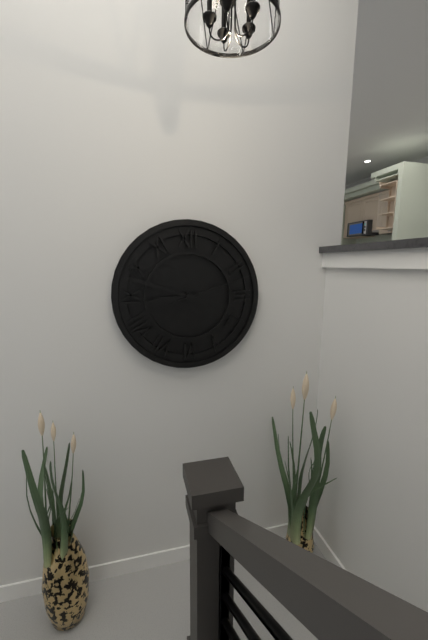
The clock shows 8.48.12
